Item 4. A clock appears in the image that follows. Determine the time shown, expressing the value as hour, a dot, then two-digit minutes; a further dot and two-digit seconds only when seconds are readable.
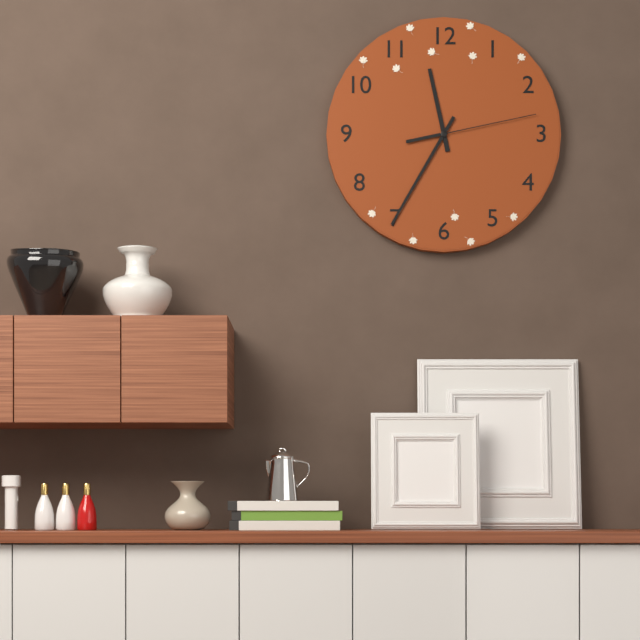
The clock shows 11.35.13
